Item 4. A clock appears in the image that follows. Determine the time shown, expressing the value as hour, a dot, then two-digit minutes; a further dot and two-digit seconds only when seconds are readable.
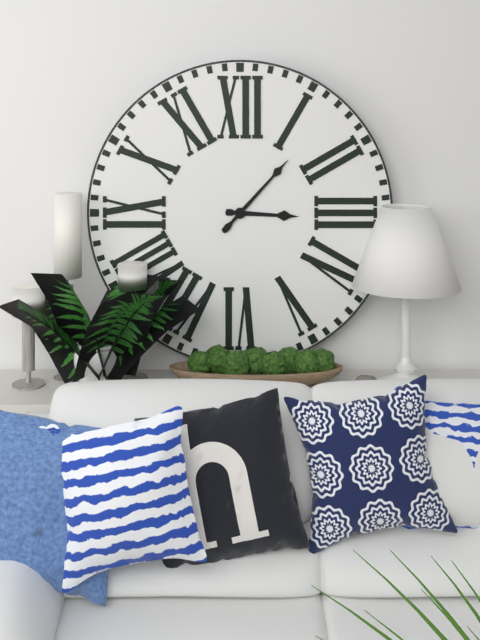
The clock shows 3.07
